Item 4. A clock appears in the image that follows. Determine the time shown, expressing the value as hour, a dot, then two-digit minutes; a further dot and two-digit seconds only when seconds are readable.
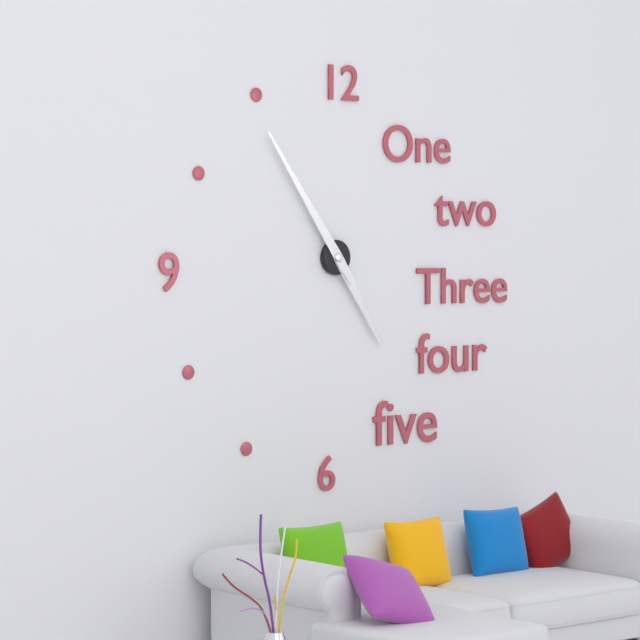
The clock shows 4.54
